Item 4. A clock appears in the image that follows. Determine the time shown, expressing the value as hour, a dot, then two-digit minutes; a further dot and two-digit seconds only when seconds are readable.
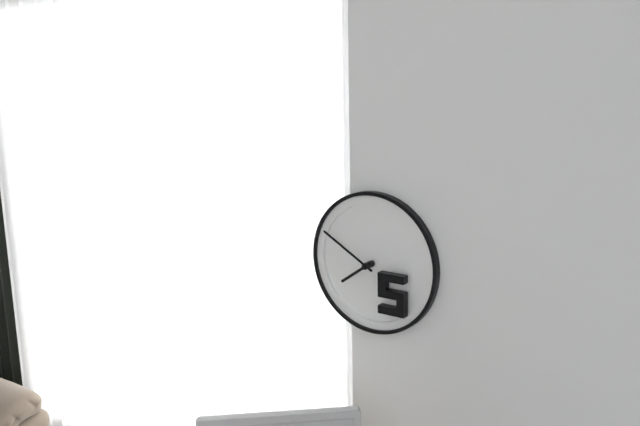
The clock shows 7.50
